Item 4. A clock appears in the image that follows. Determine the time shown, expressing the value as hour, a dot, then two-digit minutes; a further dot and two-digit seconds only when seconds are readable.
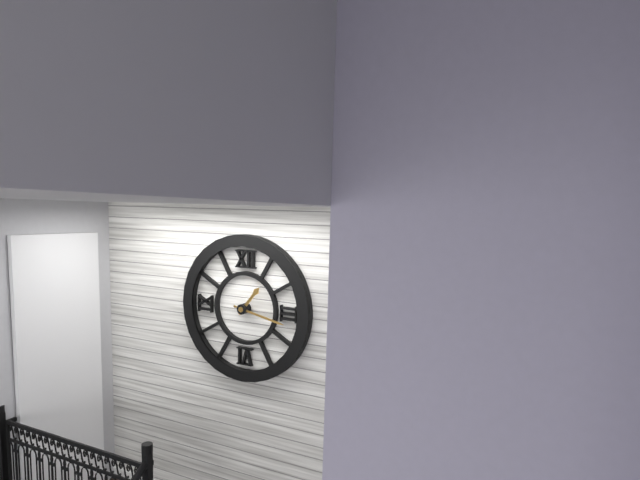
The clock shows 1.17
